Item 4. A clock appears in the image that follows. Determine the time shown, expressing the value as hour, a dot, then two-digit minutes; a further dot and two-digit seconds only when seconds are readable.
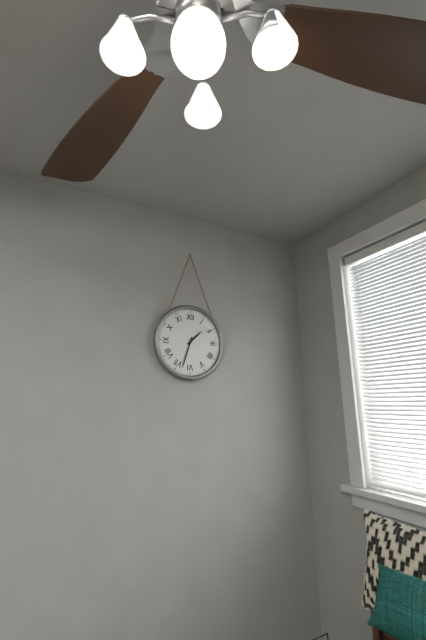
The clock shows 1.33
